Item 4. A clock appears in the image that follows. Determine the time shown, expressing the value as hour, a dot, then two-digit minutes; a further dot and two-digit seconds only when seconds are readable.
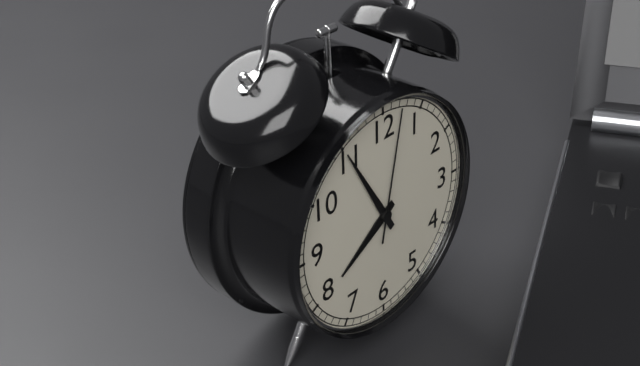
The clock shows 7.55.02
